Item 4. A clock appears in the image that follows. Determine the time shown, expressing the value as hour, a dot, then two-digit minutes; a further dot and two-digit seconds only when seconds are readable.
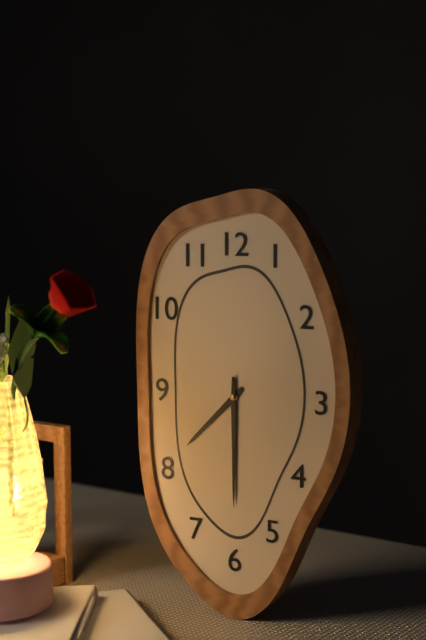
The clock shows 7.30
